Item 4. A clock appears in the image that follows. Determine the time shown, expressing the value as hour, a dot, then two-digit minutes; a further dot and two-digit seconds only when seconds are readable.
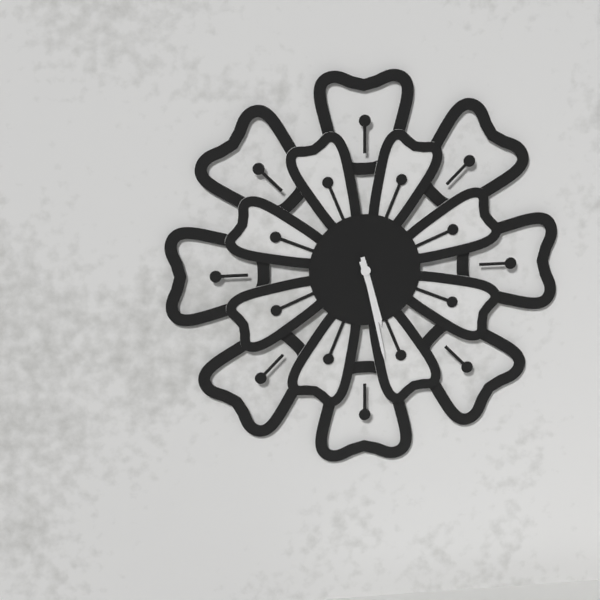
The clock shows 5.28
